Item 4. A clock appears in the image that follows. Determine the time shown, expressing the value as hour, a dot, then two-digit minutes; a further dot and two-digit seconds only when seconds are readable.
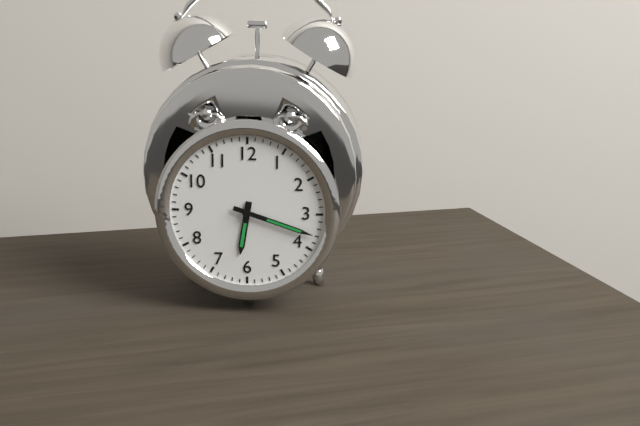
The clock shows 6.18
